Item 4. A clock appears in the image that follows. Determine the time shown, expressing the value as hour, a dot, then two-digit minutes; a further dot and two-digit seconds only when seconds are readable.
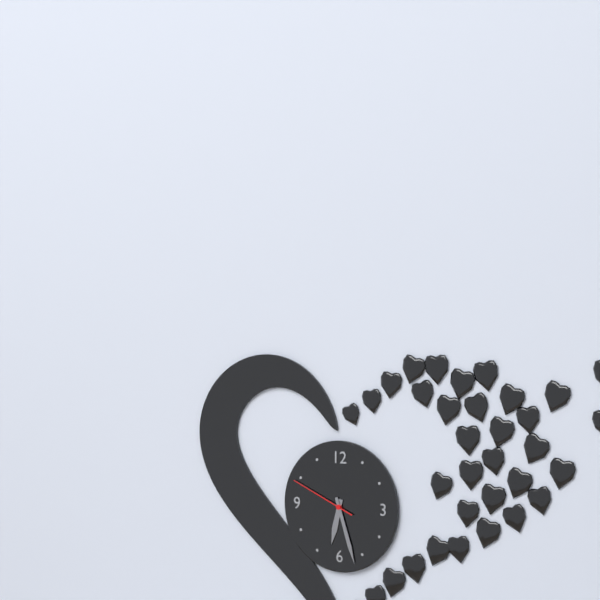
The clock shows 6.27.49
